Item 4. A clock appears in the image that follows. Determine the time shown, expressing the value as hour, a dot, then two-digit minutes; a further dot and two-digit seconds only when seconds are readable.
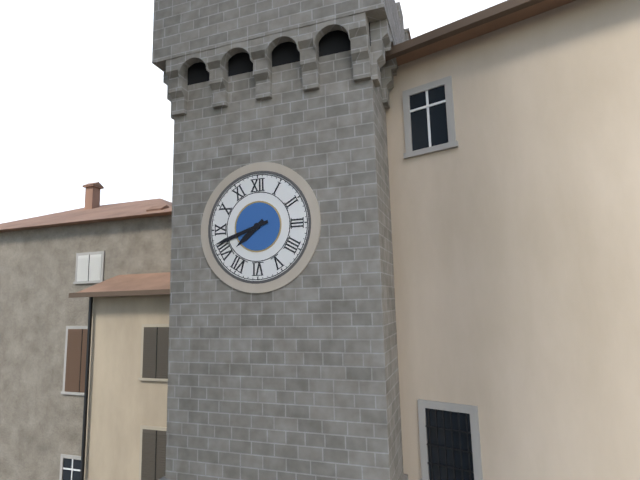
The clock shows 7.42
